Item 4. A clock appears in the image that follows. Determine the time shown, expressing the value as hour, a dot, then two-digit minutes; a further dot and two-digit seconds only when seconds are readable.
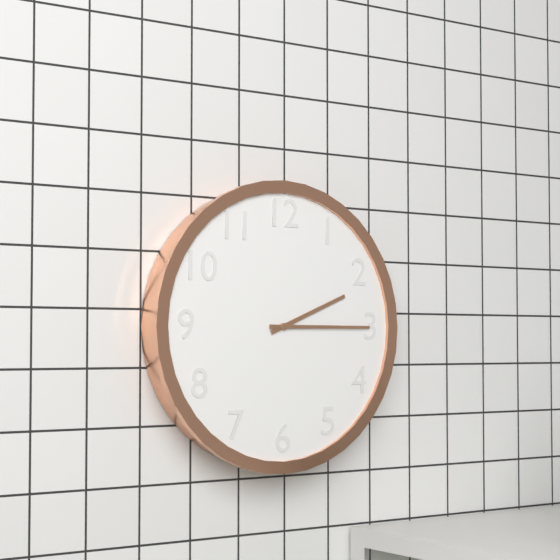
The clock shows 2.15
